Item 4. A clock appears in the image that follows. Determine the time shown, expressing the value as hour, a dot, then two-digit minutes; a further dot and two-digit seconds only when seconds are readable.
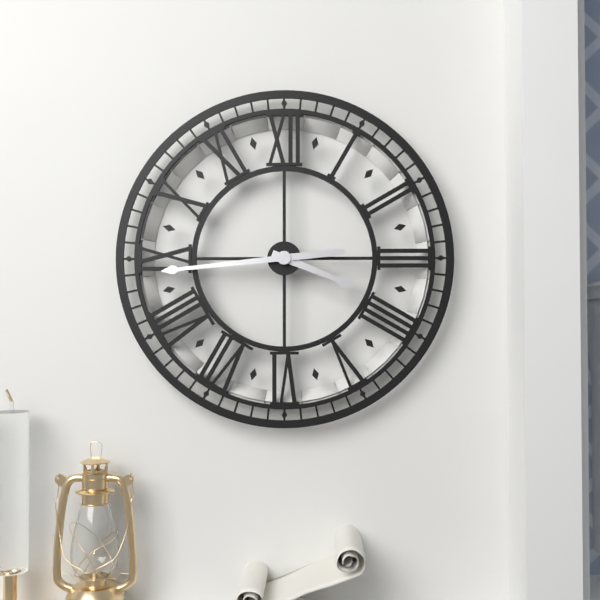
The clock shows 3.44
